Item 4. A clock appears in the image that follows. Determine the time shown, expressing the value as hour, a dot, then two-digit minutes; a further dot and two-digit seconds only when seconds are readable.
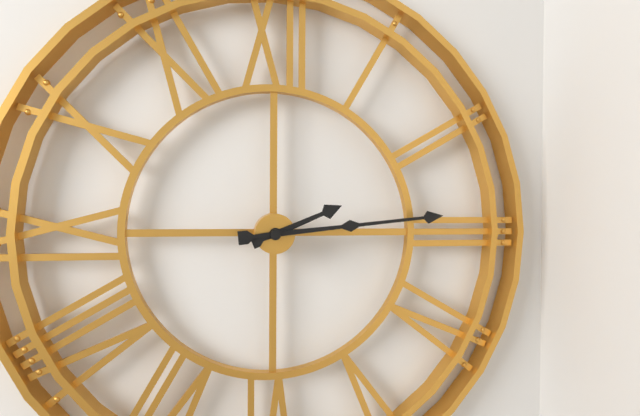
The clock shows 2.14
